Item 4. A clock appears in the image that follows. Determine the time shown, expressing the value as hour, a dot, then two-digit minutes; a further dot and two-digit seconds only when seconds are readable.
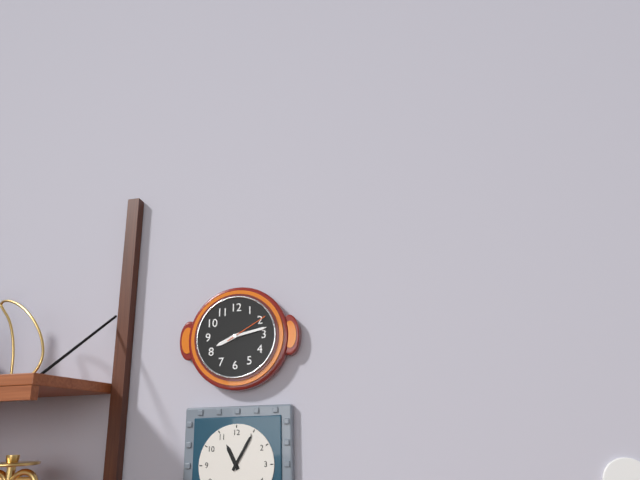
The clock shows 8.13
